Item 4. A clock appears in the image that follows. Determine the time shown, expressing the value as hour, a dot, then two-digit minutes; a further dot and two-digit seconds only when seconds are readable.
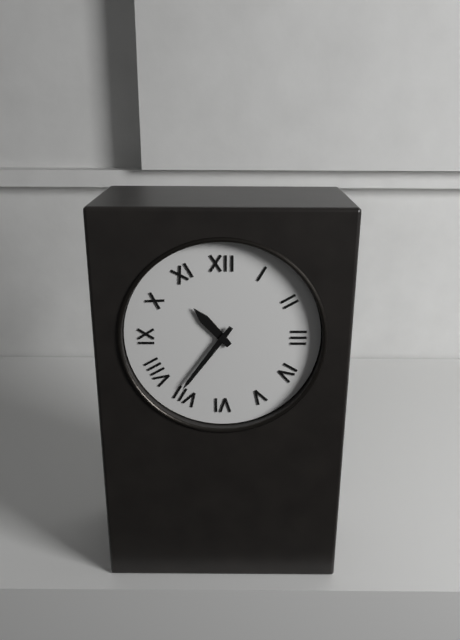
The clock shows 10.36
